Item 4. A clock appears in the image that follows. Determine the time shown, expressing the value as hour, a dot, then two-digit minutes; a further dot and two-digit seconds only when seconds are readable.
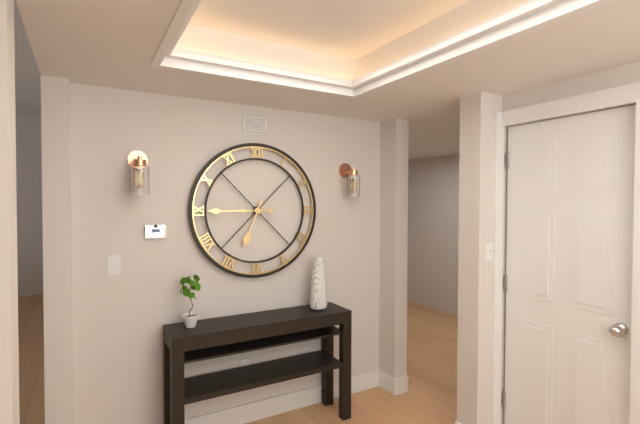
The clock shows 6.45
